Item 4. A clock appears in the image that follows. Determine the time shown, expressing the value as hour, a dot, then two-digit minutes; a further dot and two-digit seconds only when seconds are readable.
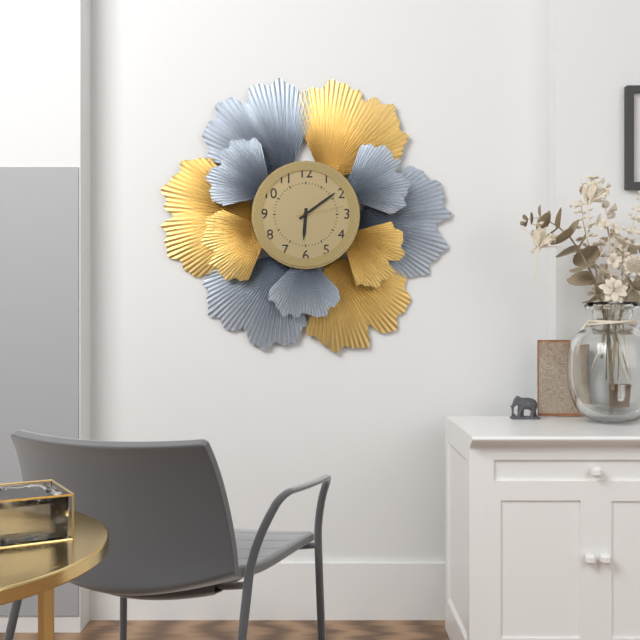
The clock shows 6.09
